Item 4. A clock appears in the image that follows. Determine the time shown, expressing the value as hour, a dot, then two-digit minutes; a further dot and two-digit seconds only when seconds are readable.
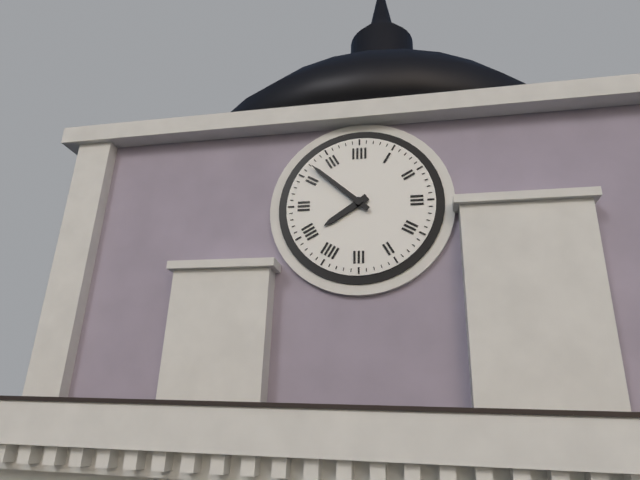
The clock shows 7.52
